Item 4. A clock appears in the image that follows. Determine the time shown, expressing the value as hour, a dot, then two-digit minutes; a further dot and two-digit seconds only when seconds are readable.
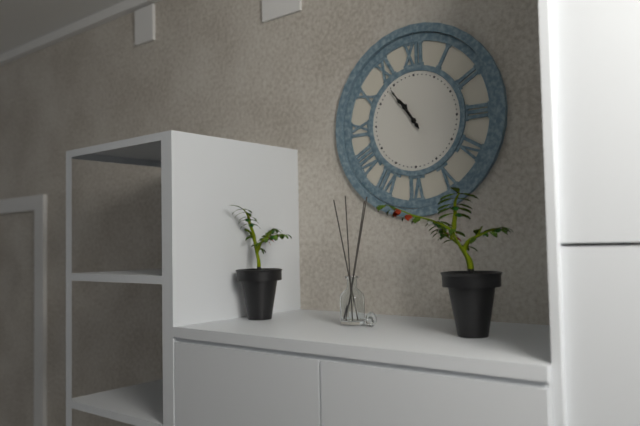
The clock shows 10.54
